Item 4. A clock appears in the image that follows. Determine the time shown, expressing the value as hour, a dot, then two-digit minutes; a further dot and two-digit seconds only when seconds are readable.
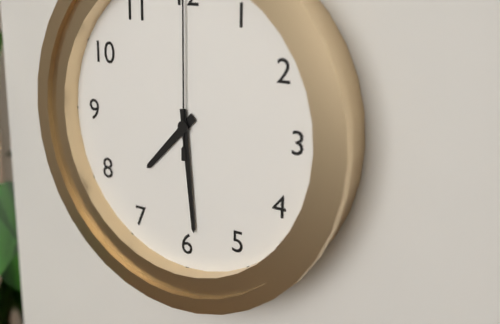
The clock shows 7.29
